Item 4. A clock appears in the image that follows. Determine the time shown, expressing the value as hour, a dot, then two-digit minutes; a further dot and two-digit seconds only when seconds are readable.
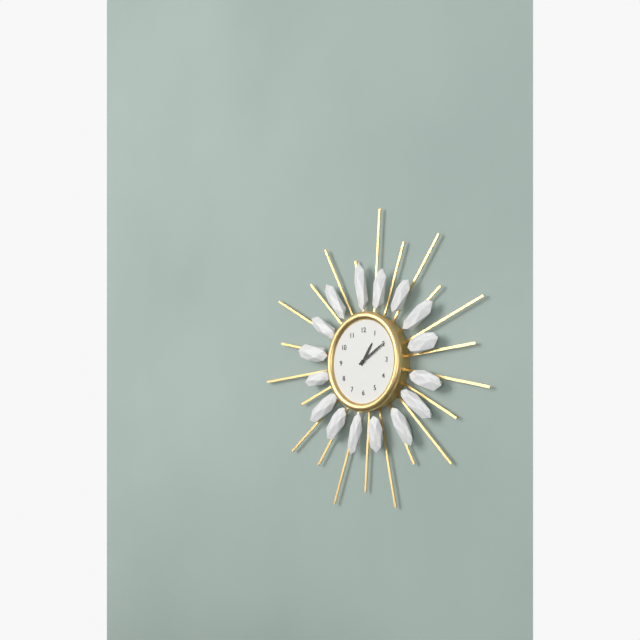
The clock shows 1.10
